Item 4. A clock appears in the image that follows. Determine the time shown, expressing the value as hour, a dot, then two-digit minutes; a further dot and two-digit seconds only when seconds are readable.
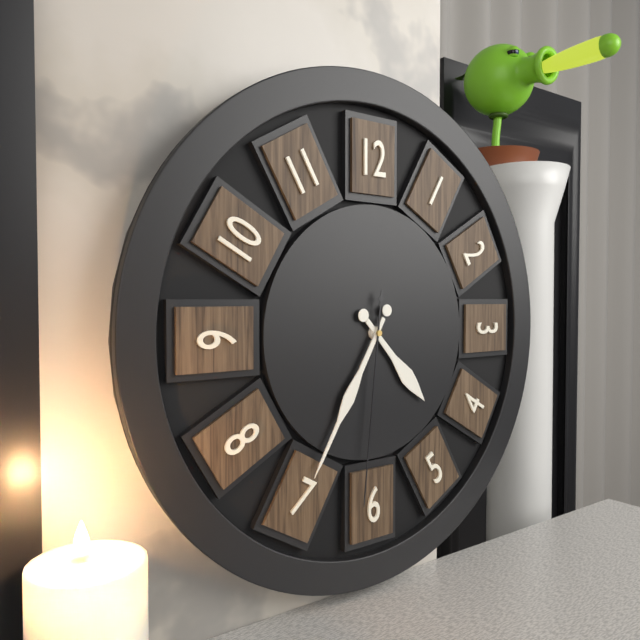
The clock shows 4.35.31
